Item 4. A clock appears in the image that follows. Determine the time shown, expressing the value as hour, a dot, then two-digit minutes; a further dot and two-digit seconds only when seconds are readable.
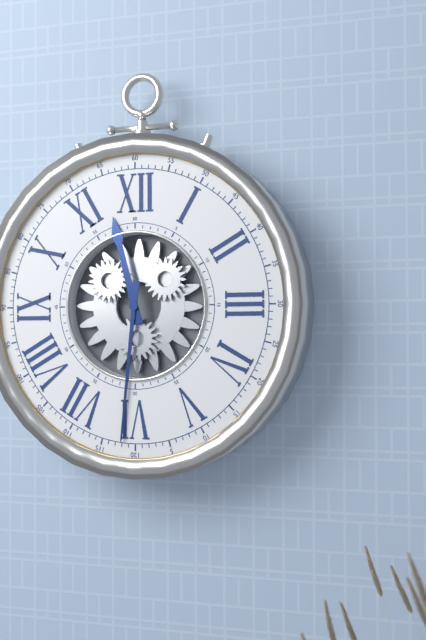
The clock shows 11.31
